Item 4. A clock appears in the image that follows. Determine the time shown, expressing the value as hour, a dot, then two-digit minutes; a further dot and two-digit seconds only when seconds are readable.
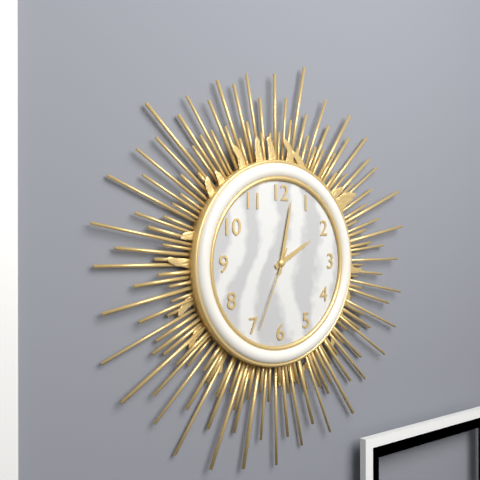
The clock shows 2.02.34
